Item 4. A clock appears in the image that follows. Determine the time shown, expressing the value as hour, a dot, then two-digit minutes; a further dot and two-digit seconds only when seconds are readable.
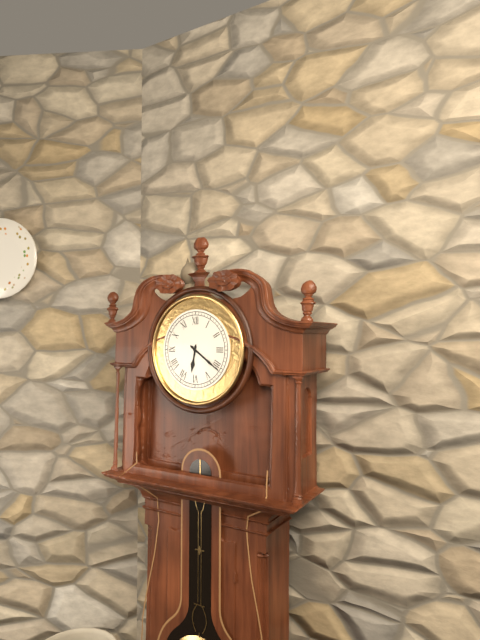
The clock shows 6.21
